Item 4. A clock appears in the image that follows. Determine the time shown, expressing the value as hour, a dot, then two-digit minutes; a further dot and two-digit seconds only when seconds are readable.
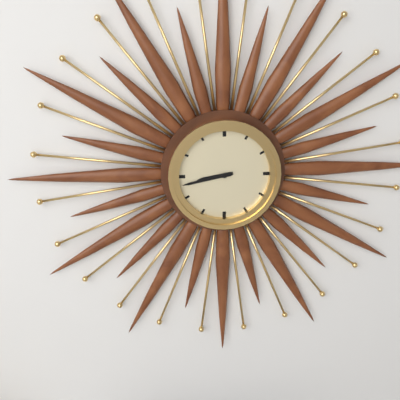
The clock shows 8.43
